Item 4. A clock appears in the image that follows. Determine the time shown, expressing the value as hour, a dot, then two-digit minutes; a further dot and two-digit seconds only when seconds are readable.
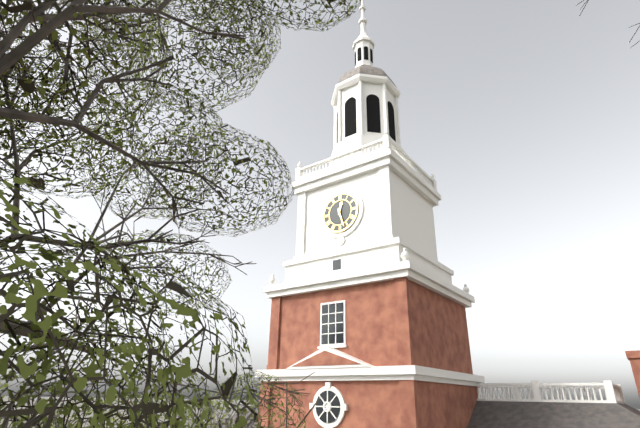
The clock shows 12.27
